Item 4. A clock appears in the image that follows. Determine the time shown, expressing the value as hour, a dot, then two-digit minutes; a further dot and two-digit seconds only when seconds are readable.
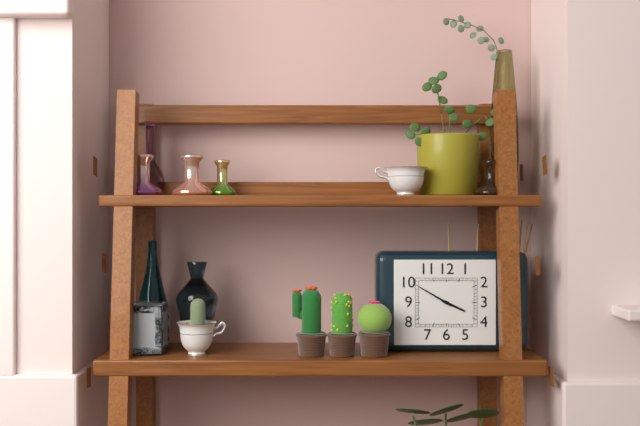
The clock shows 3.50
